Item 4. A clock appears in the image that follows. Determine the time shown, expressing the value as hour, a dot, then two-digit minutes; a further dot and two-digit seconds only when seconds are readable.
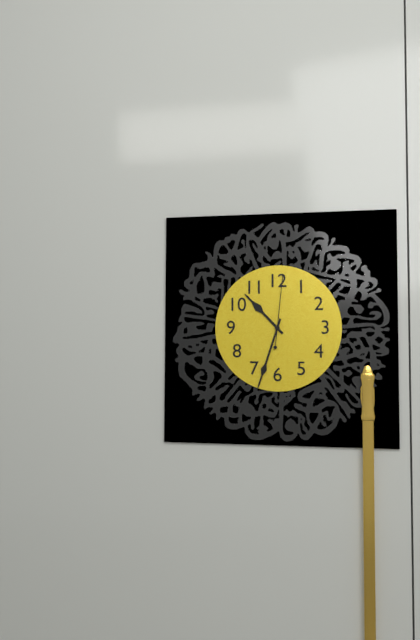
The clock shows 10.33.01
